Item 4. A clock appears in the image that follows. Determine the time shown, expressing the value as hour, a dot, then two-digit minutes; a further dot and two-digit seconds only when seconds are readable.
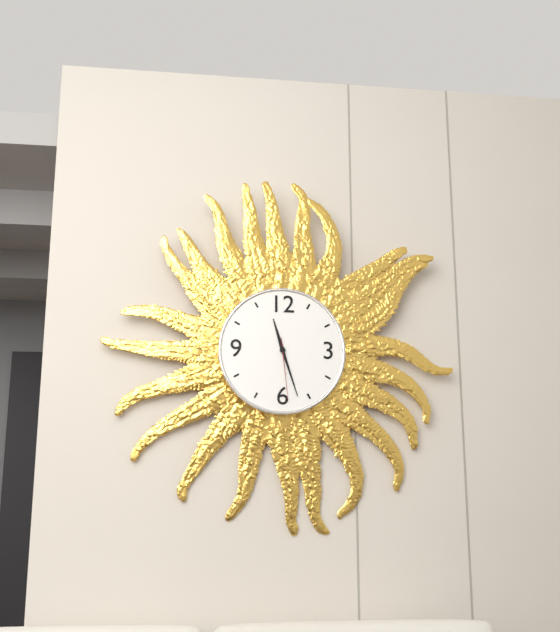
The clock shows 11.27.29
